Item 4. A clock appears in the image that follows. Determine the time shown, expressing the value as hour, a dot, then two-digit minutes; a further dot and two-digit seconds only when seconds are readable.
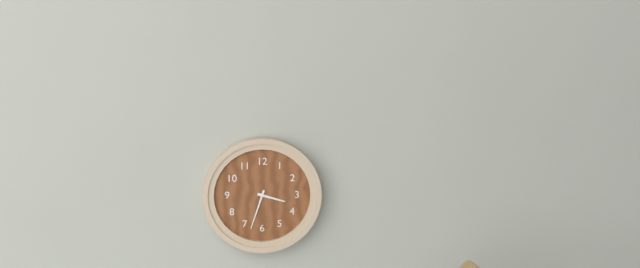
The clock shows 3.33
